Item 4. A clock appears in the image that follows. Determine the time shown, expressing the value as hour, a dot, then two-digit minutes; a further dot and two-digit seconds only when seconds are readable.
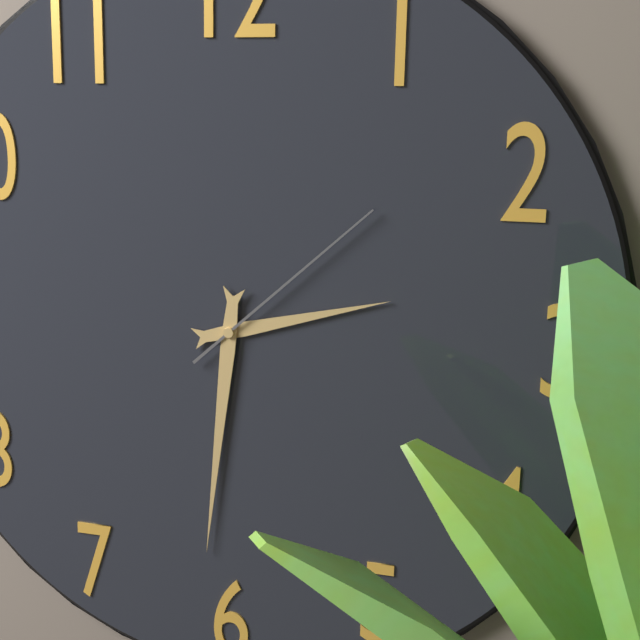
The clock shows 2.31.08
